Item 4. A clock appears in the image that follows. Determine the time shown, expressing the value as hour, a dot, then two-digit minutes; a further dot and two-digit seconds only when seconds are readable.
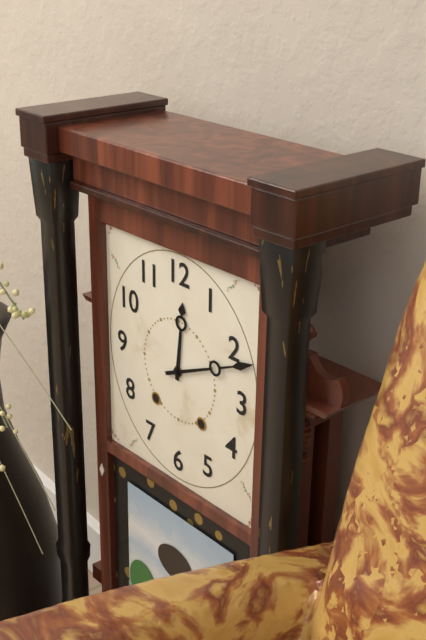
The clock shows 12.11
